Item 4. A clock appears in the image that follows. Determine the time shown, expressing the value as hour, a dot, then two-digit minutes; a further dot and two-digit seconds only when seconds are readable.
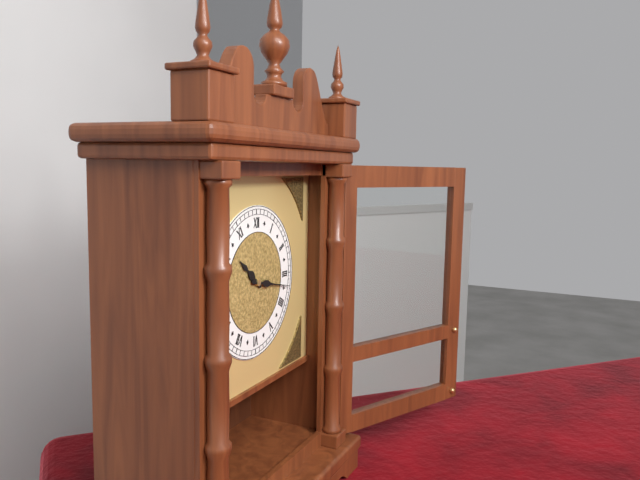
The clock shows 10.17
